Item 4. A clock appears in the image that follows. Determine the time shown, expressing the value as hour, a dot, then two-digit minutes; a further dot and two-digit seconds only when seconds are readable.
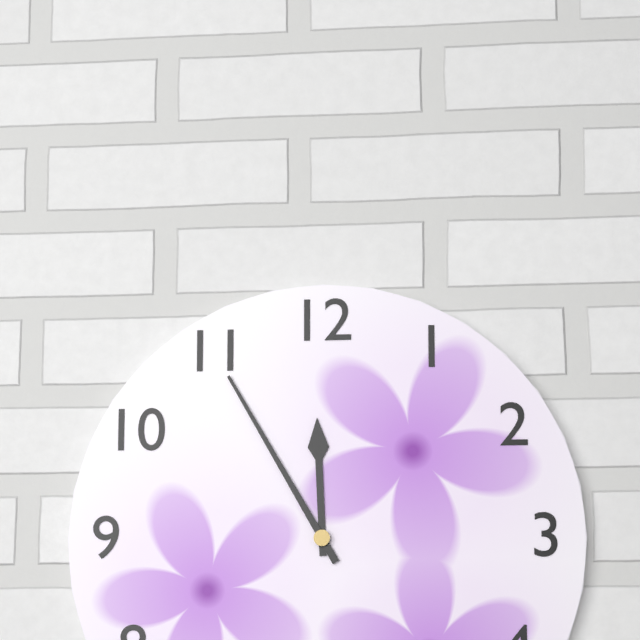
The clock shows 11.55
